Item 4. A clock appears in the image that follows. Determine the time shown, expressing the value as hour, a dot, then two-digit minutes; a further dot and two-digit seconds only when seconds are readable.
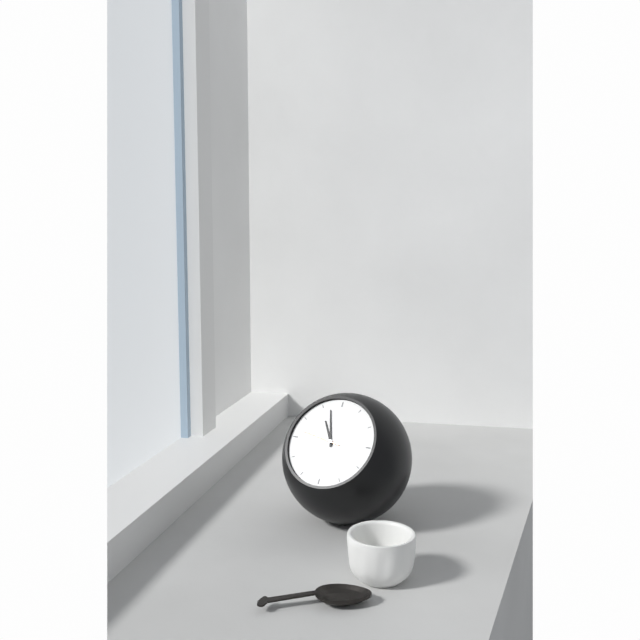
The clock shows 10.57.47
